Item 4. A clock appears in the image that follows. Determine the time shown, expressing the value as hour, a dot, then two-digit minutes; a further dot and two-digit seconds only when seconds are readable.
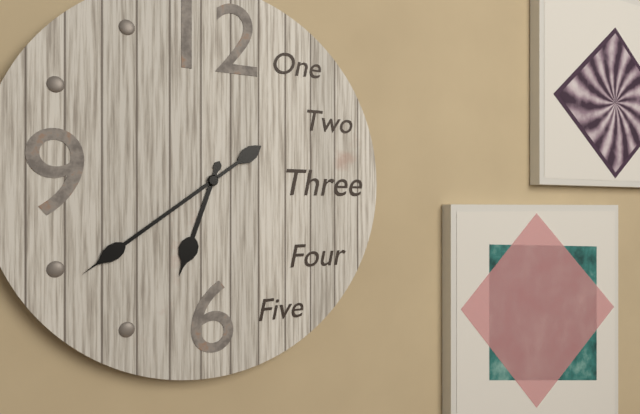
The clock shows 6.39
